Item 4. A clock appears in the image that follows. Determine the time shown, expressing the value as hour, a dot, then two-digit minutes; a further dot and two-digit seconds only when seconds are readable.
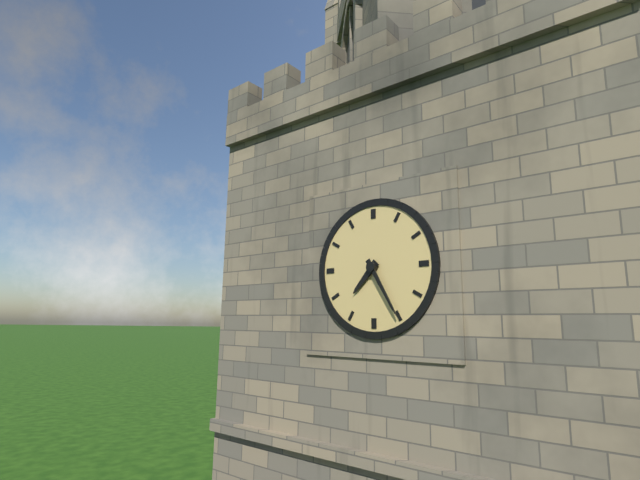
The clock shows 7.25
